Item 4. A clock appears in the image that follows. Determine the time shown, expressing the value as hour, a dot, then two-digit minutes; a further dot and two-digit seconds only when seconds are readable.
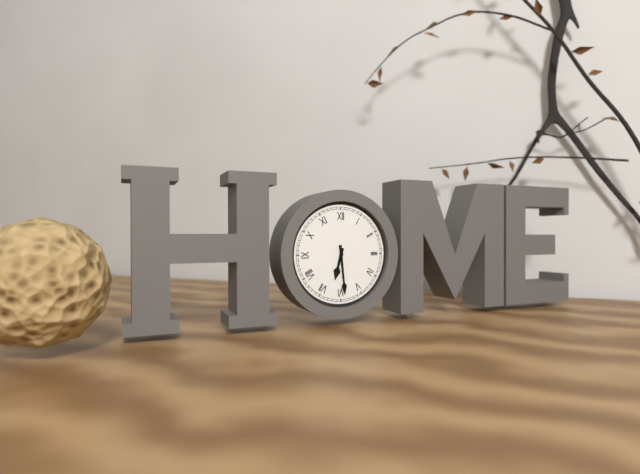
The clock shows 6.29
